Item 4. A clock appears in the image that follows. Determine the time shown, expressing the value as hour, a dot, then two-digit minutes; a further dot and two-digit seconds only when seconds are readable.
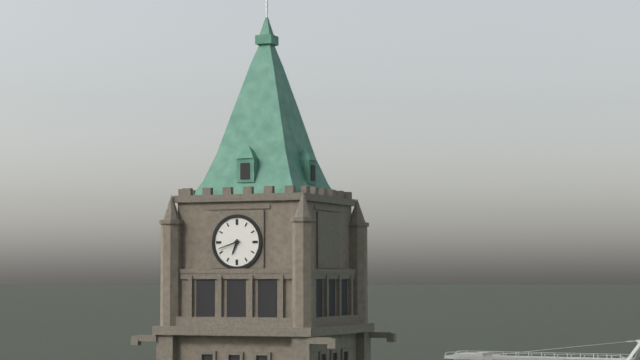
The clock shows 6.42
